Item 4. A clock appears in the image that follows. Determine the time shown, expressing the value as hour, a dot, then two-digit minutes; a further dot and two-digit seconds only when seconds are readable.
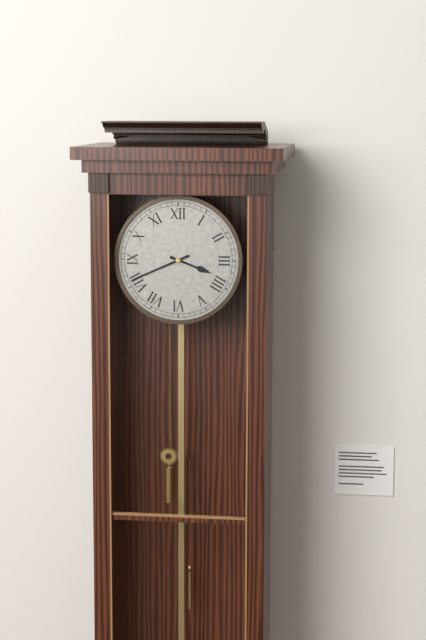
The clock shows 3.41
